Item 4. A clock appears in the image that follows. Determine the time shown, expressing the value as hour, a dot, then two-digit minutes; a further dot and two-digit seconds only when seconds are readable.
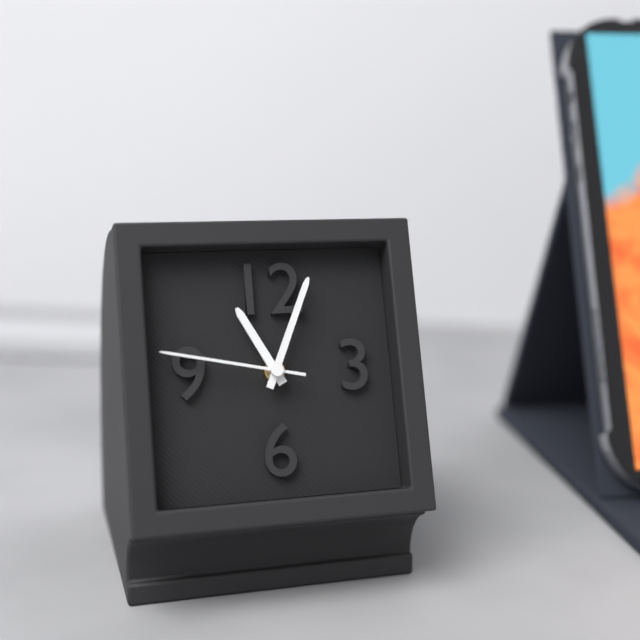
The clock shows 11.04.47
